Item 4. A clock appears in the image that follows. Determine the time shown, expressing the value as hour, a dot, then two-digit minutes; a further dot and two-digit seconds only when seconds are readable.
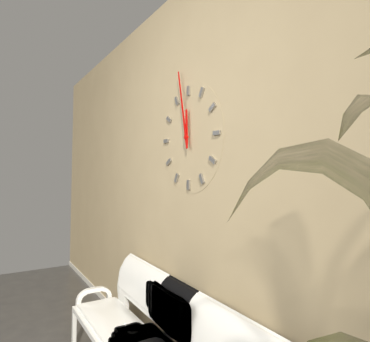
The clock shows 11.58
